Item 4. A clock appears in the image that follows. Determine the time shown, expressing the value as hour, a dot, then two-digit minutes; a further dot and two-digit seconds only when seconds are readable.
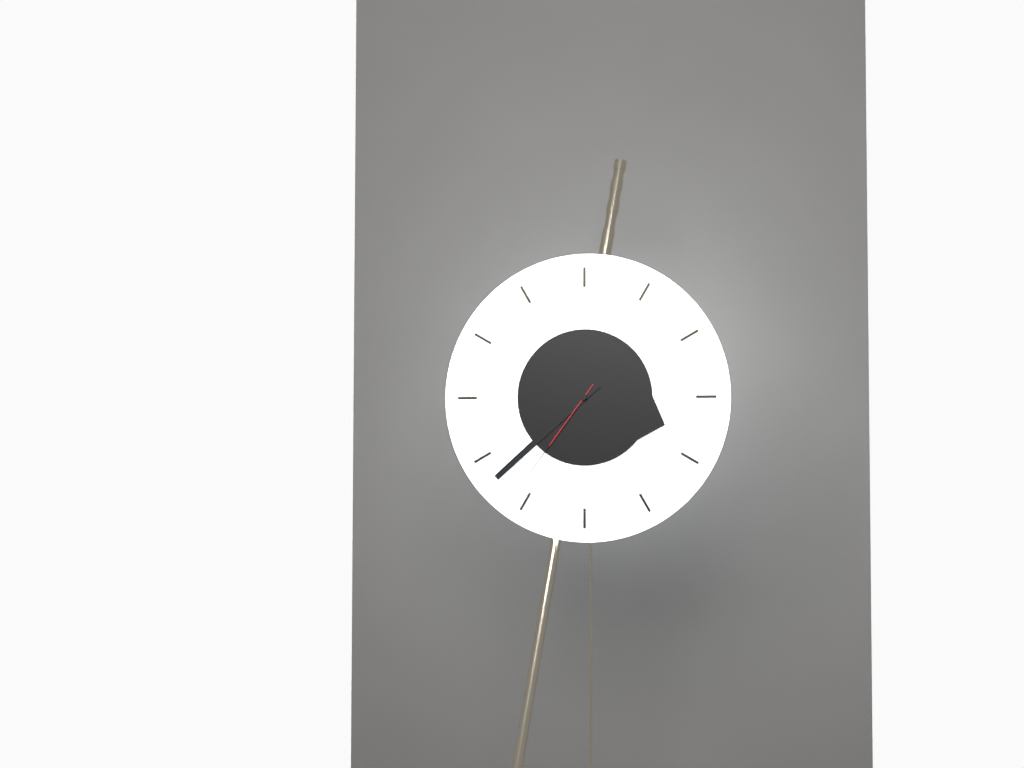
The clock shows 3.38.36
